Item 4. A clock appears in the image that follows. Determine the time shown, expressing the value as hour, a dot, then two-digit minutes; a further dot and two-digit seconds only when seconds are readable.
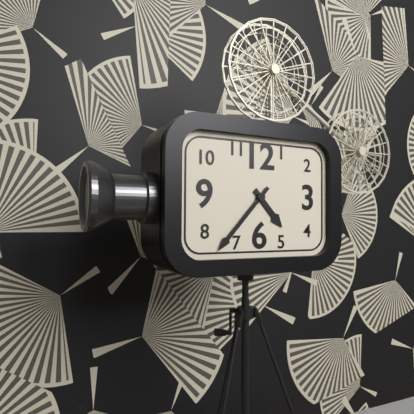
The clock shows 4.37
